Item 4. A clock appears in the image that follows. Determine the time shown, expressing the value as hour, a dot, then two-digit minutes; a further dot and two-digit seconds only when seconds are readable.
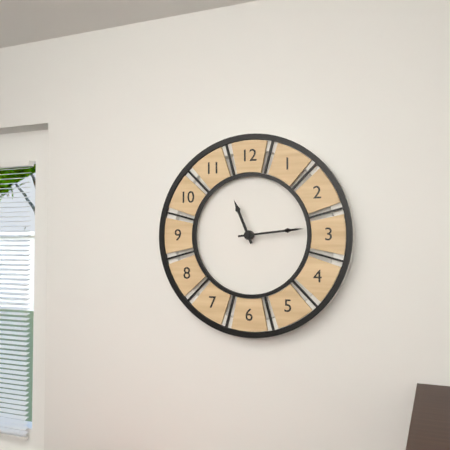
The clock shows 11.14
